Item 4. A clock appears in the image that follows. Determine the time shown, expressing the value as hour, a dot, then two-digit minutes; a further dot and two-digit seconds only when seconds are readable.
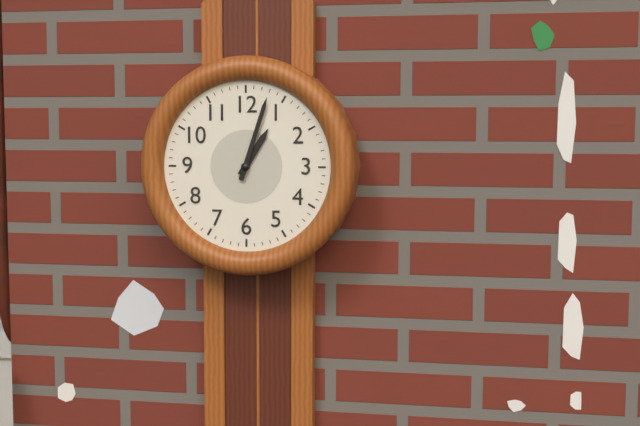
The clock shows 1.03
